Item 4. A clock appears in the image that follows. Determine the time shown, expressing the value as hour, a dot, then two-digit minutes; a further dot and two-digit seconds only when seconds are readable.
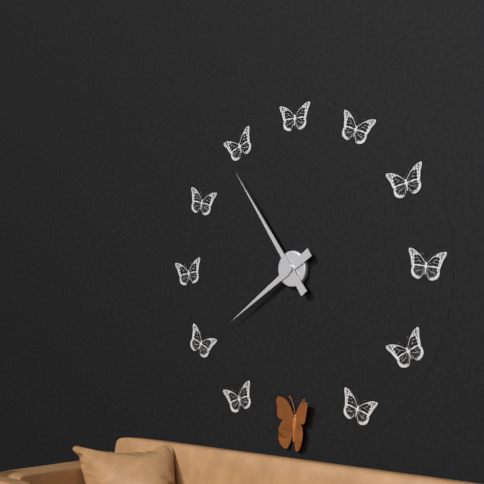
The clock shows 7.54
